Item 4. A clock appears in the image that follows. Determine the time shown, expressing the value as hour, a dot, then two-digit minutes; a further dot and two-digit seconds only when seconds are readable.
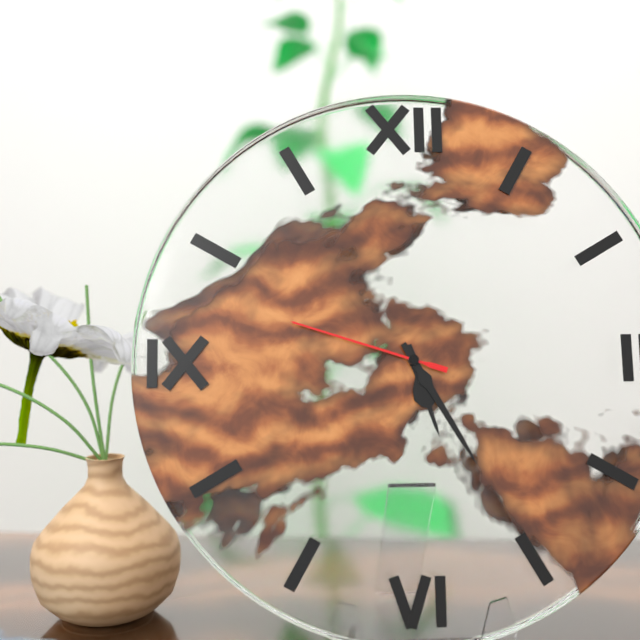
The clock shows 5.25.48
